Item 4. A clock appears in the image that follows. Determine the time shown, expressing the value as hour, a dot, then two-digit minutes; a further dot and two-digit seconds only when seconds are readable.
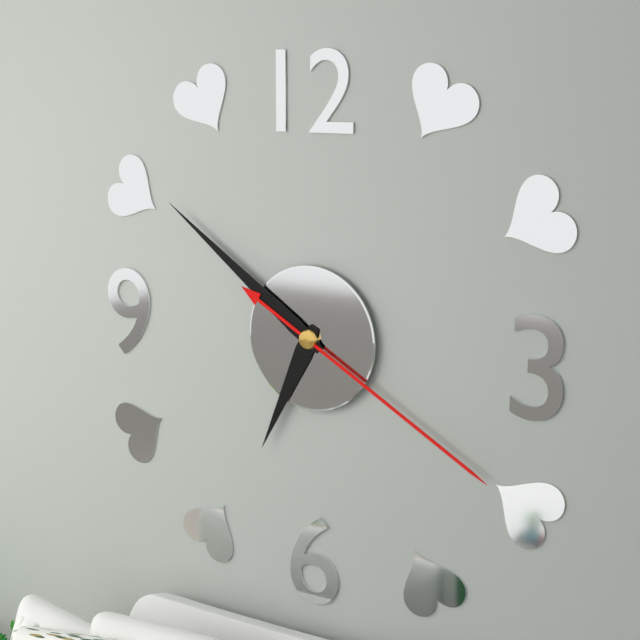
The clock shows 6.51.20
